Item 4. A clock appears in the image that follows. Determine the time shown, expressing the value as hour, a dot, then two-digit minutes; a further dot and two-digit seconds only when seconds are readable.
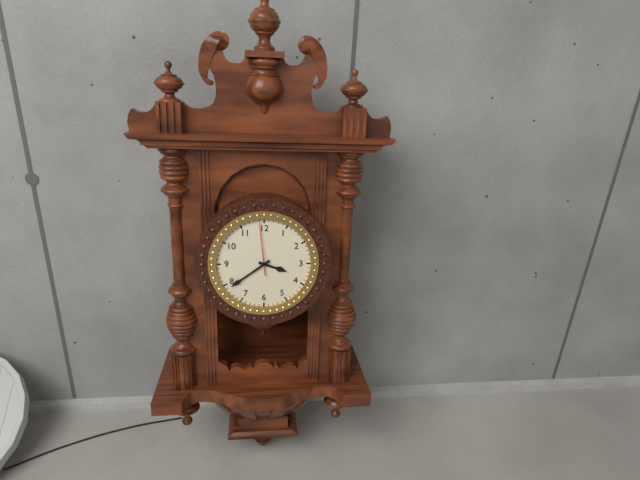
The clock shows 3.39.59
